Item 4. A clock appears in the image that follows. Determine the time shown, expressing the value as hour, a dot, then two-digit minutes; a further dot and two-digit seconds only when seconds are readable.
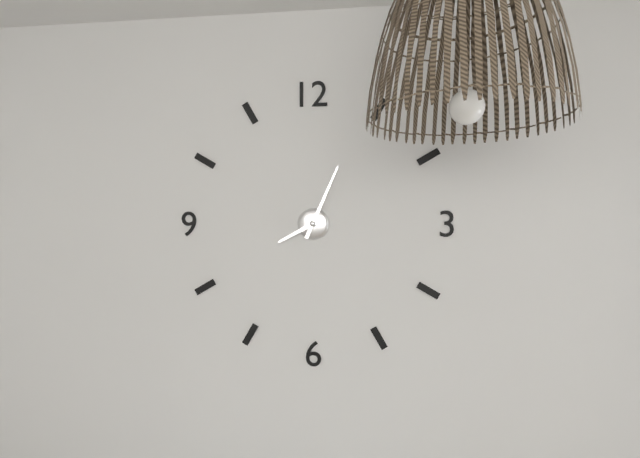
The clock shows 8.04
